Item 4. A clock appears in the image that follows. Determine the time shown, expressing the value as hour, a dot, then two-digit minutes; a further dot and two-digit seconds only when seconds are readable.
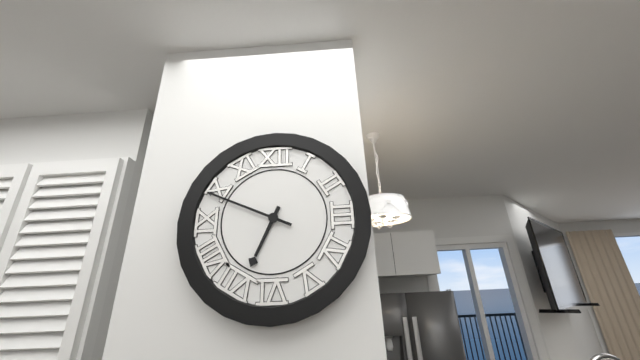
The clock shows 6.49
